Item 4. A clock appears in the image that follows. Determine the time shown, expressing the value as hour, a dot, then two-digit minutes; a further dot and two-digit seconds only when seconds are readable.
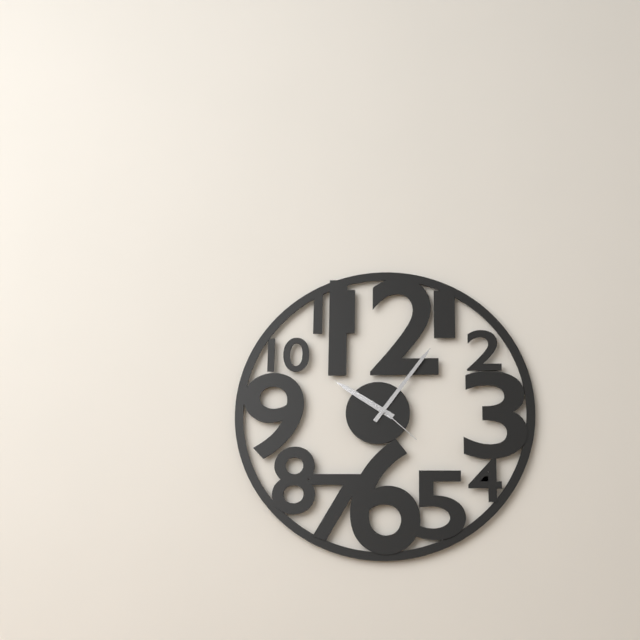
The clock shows 10.06.22
